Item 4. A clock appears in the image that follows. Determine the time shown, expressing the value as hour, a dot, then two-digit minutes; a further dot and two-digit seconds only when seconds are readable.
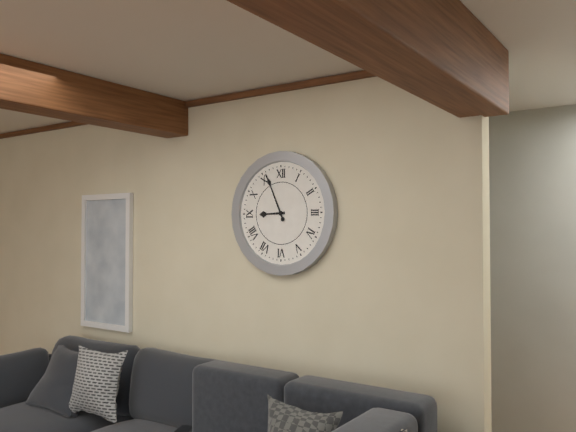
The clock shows 8.56
